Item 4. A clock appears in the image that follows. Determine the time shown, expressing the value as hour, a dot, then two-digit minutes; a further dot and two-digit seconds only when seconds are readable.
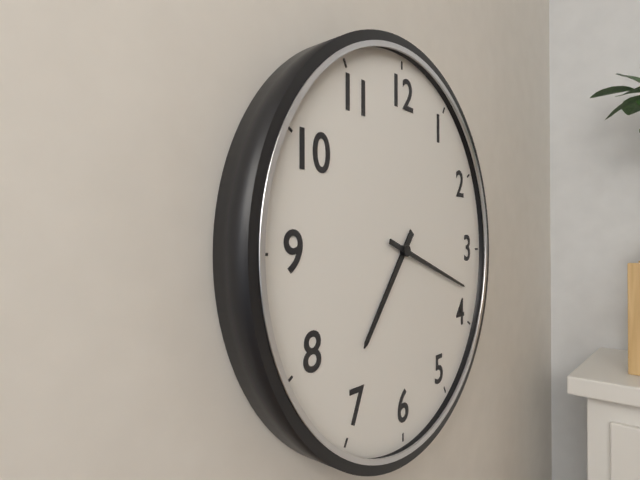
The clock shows 7.18
